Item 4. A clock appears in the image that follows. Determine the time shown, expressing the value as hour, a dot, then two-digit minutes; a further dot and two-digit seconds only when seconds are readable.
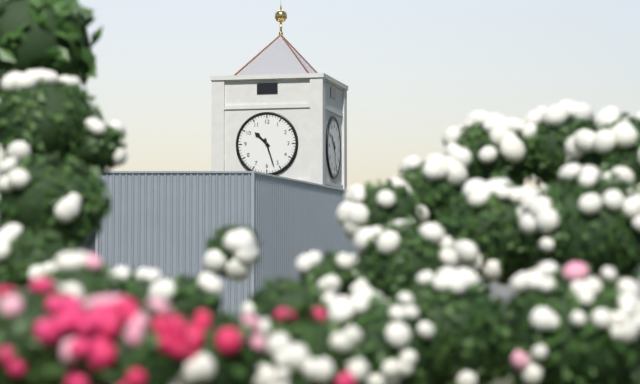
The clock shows 10.27
